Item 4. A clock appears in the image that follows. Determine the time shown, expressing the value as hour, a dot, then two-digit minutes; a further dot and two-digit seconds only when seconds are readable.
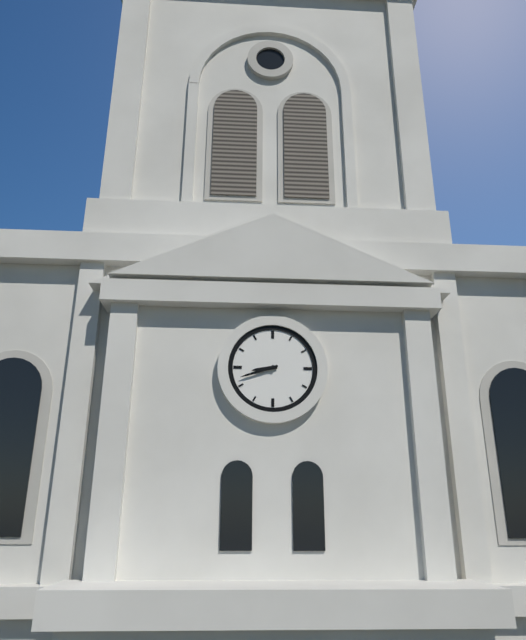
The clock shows 8.42
